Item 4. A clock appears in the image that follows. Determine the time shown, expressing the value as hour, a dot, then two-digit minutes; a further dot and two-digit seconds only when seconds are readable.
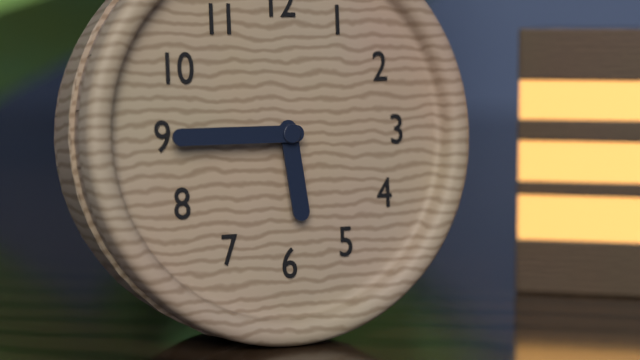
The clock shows 5.45
